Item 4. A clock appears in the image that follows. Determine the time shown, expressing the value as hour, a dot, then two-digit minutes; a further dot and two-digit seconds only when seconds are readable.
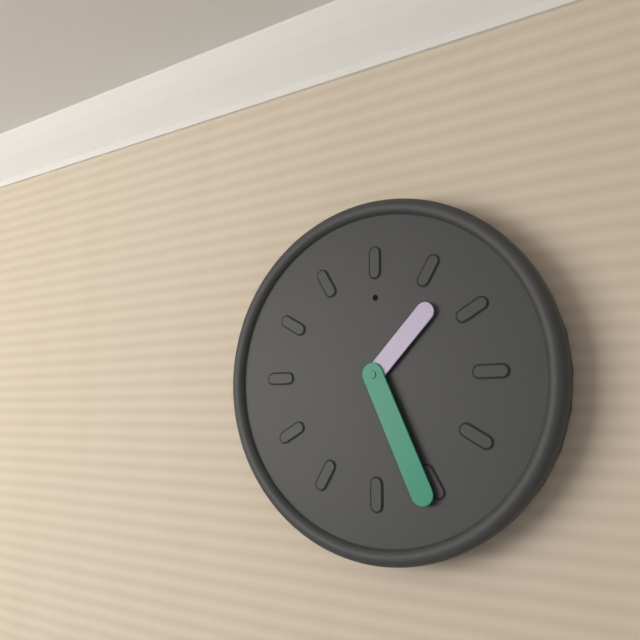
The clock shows 1.26
